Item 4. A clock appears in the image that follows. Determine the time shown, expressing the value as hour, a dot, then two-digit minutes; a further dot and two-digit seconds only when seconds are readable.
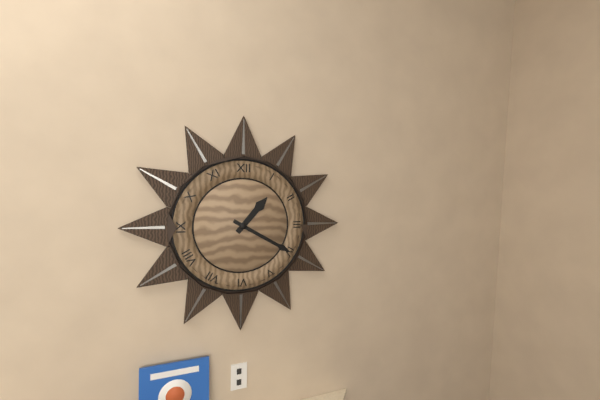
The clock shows 1.20
